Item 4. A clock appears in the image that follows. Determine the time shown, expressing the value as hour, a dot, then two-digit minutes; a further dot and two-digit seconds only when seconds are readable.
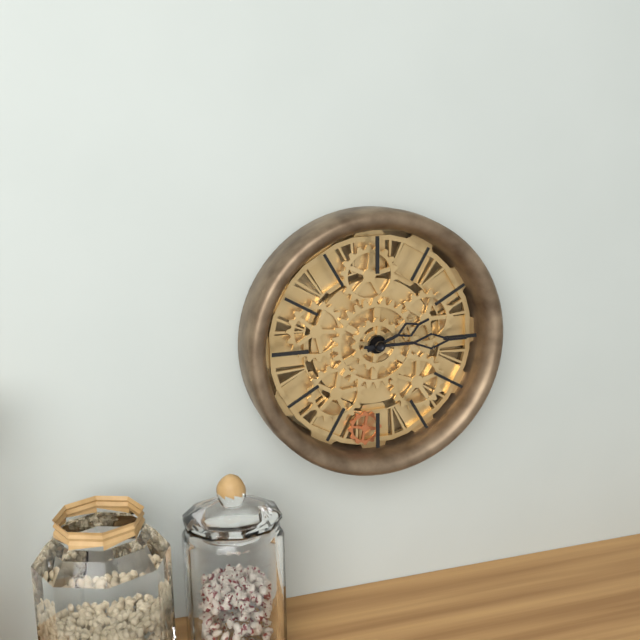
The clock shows 2.15
